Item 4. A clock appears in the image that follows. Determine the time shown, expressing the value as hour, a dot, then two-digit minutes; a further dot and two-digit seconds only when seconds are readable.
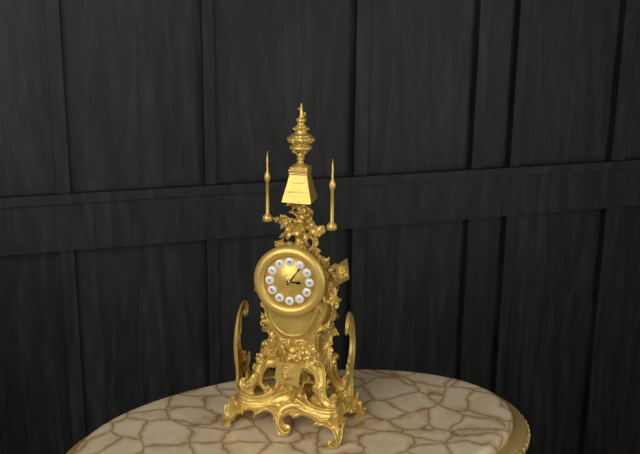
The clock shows 3.06
